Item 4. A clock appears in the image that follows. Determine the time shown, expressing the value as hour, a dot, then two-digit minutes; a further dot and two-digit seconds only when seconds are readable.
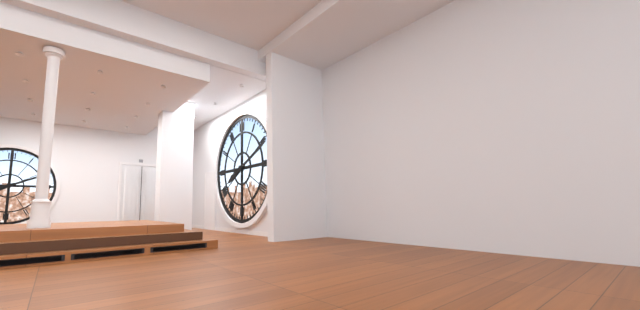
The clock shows 8.11
